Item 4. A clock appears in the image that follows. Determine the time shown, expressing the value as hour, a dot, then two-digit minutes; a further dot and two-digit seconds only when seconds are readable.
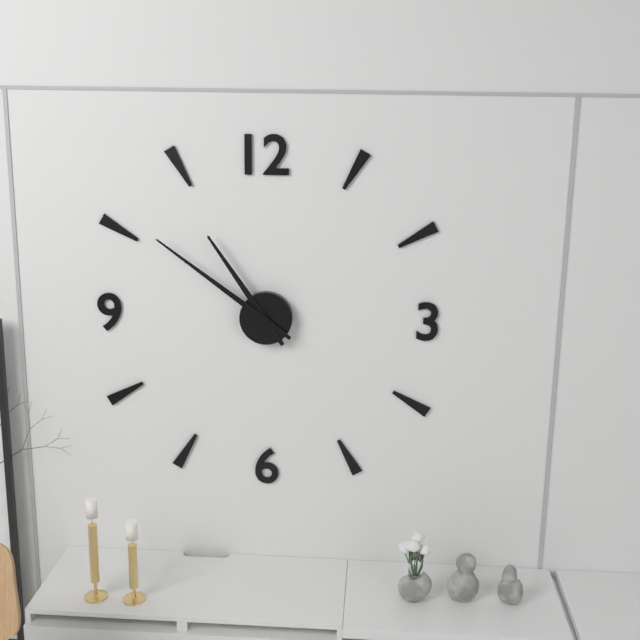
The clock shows 10.51
